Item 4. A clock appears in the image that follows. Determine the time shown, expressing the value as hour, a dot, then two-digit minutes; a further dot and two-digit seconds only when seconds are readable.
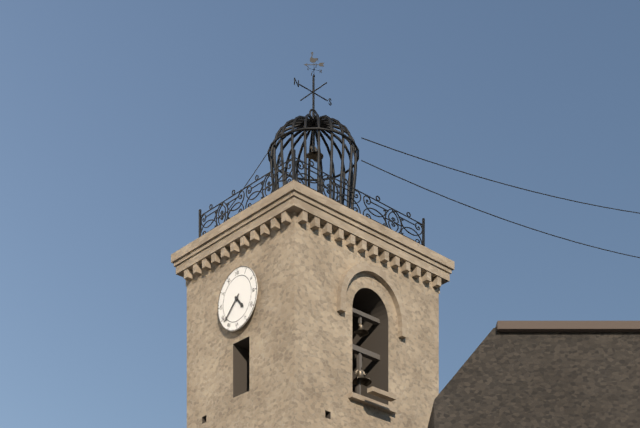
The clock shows 4.38
